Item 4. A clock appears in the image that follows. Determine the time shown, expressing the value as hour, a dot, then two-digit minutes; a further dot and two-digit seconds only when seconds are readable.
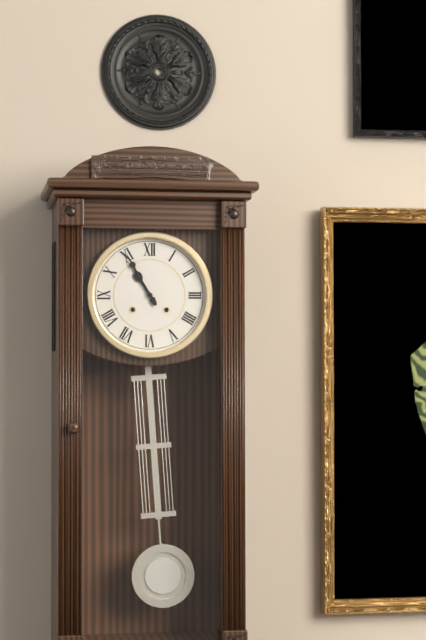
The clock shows 10.55
